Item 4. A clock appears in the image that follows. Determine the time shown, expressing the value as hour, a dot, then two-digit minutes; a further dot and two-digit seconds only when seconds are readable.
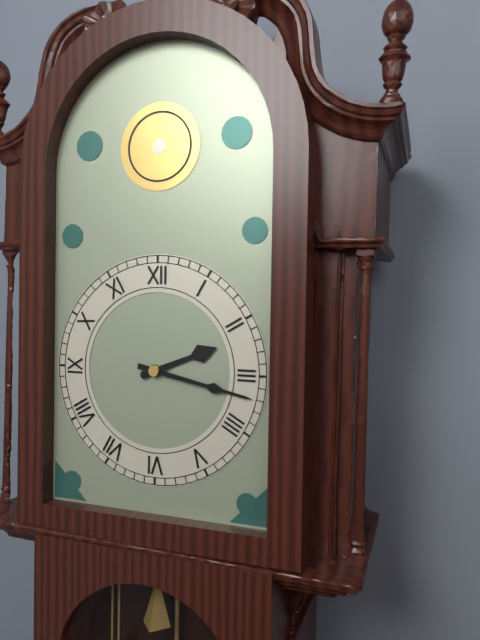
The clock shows 2.17
